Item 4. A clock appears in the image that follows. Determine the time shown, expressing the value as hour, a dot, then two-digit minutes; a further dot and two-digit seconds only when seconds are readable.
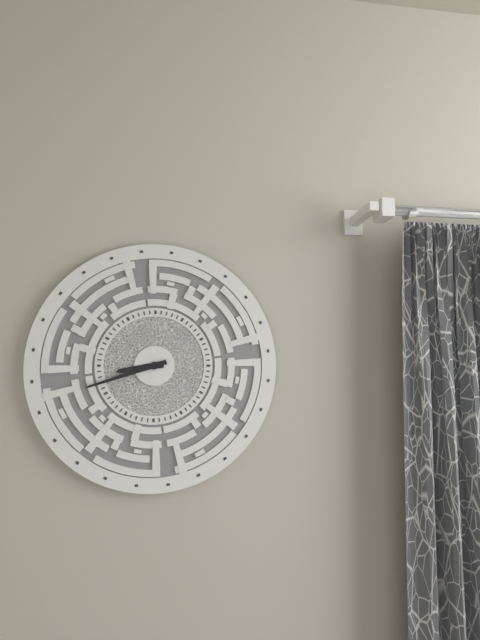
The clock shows 8.42
